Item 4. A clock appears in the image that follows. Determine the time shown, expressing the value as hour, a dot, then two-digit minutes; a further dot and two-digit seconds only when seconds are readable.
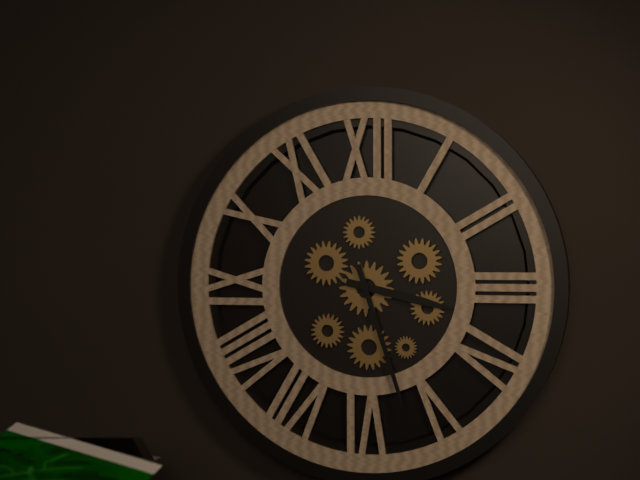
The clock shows 3.27
